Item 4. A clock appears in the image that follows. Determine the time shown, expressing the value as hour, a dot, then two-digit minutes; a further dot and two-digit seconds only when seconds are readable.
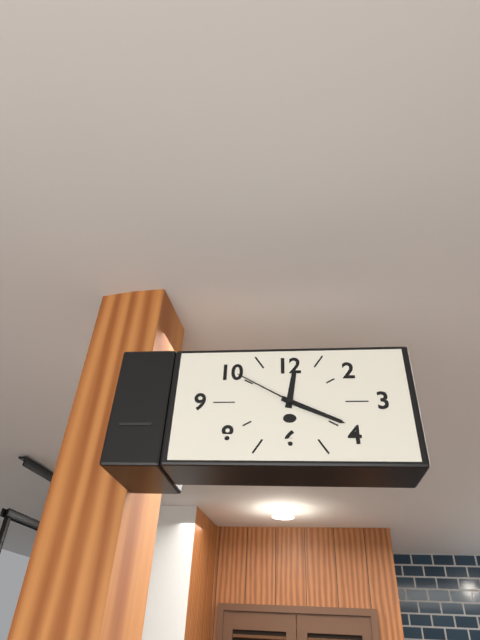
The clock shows 12.19.50
